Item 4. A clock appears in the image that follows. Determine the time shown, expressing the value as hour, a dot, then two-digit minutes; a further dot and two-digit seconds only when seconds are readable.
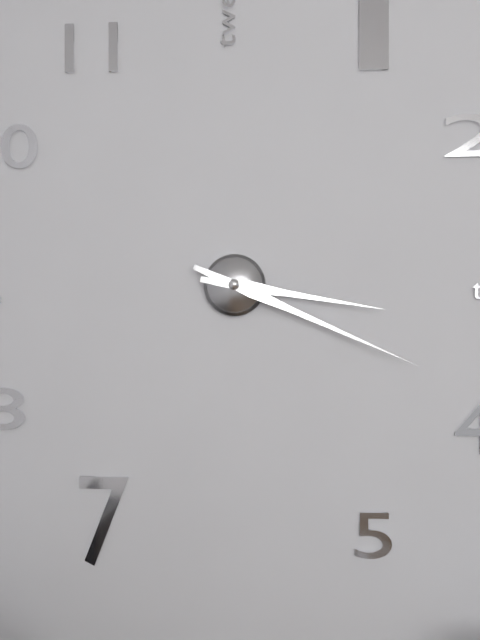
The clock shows 3.19
